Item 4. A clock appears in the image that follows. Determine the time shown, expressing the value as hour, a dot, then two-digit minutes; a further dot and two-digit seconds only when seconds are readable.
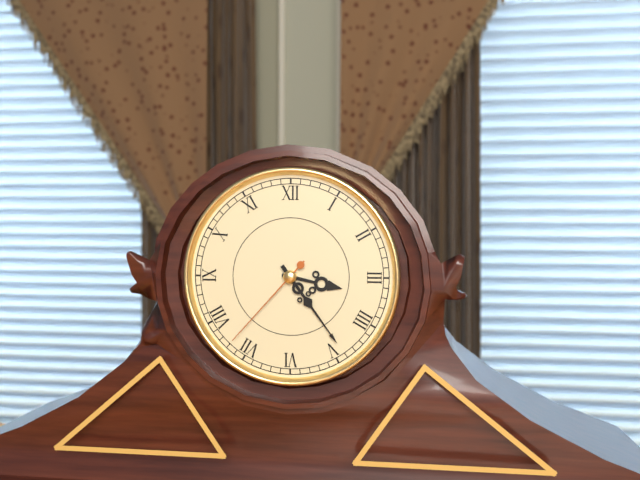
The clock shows 3.24.37
